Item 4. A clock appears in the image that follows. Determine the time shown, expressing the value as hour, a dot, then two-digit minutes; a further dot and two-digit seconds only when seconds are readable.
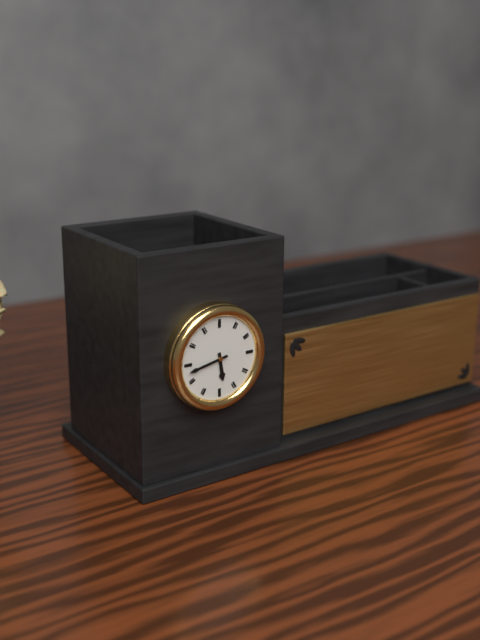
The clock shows 5.43
